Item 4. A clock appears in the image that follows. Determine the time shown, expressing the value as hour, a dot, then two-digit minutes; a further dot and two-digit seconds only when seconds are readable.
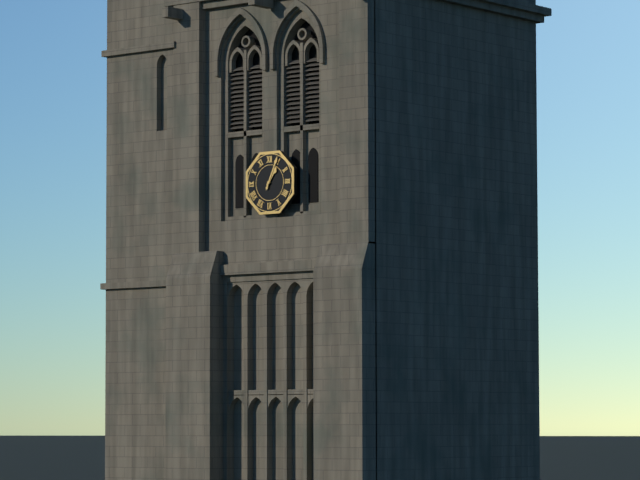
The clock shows 1.04
